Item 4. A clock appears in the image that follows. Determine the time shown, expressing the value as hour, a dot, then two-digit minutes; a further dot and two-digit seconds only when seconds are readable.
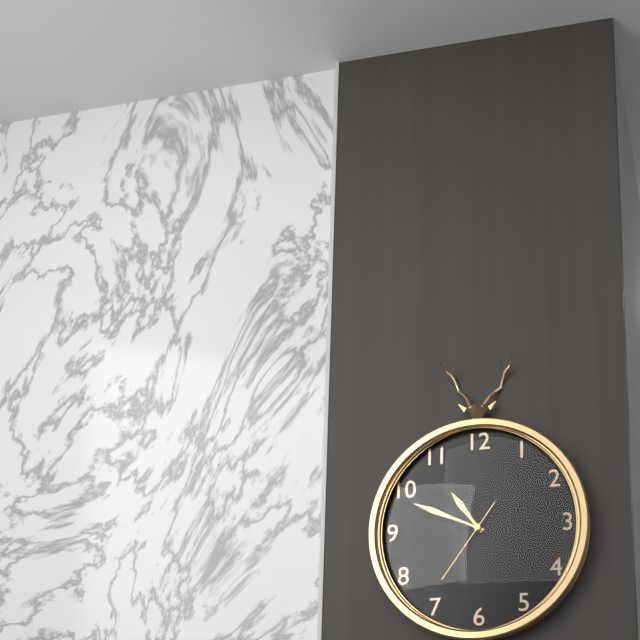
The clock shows 10.49.36
